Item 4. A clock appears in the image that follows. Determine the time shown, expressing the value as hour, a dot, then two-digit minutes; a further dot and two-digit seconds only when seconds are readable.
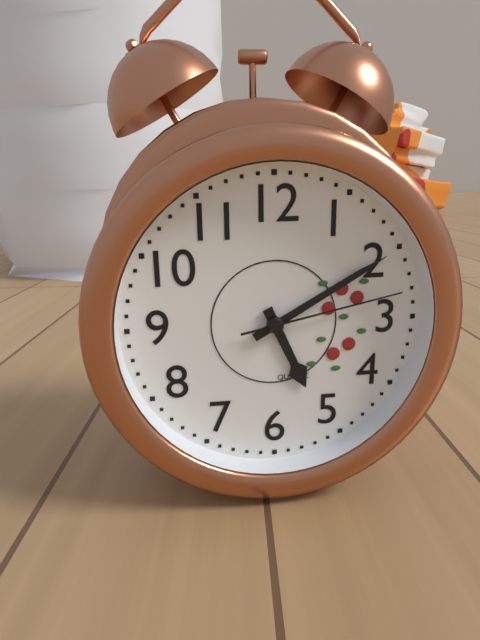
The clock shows 5.10.13
